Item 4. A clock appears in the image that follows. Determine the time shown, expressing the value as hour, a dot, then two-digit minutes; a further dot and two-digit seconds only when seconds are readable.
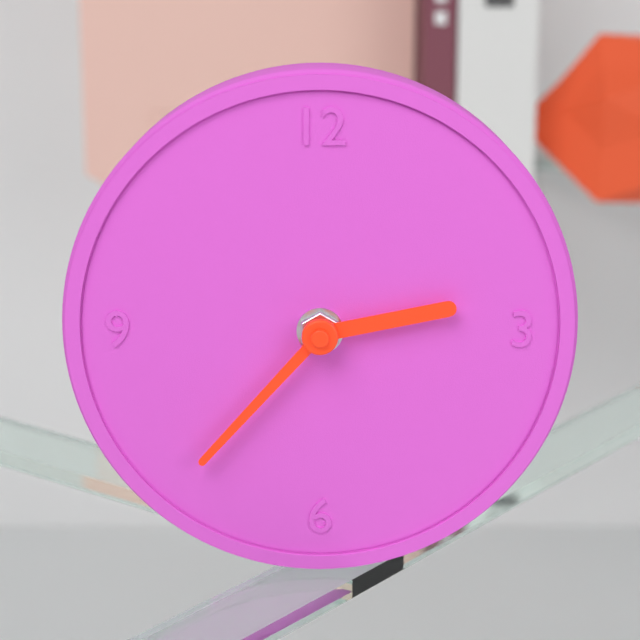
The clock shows 2.37
